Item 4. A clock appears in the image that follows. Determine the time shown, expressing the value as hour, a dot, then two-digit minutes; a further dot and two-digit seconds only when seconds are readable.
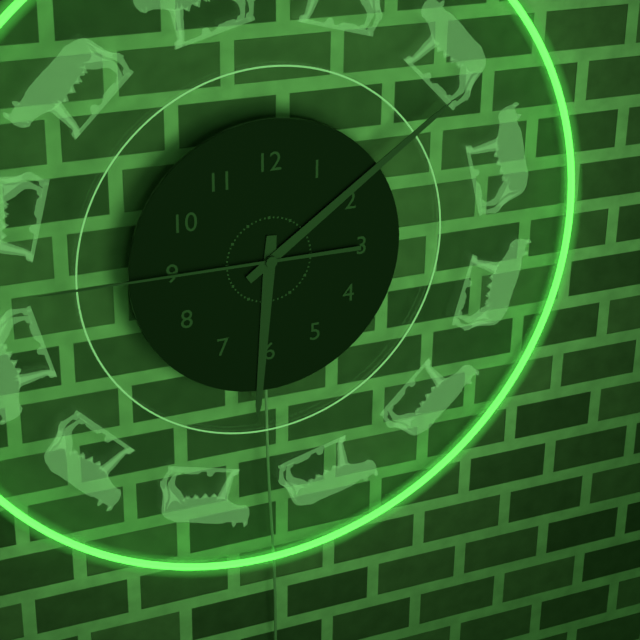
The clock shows 6.09.45
